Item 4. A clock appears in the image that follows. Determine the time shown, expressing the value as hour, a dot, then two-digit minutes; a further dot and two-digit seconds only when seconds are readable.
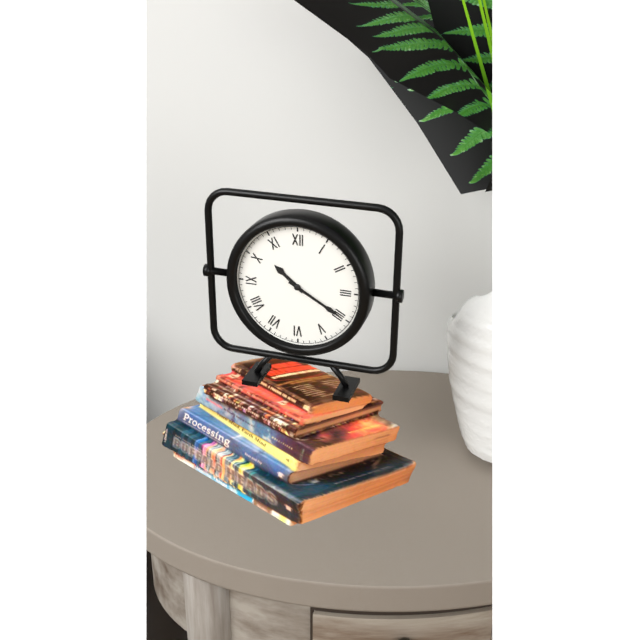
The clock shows 10.20
